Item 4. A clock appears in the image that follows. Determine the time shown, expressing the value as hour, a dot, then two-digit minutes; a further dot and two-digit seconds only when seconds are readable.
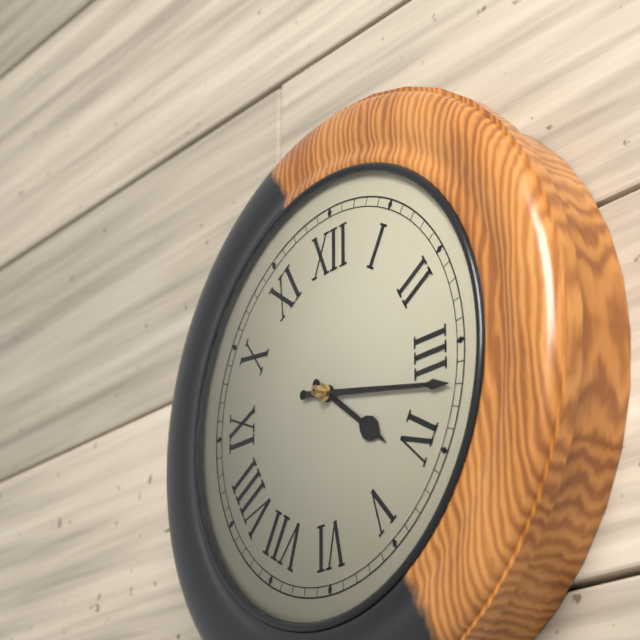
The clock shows 4.17
